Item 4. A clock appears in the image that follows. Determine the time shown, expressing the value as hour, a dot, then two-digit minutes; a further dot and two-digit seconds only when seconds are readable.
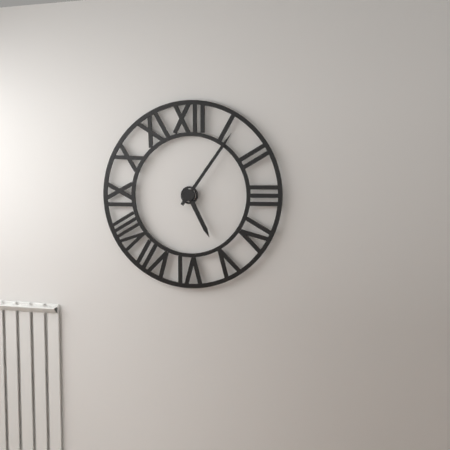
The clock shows 5.06
